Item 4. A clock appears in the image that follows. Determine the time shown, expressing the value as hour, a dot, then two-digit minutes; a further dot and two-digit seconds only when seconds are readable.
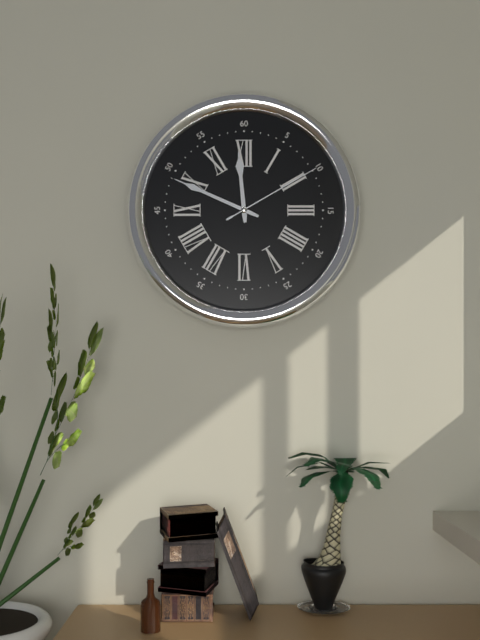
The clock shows 11.49.10
